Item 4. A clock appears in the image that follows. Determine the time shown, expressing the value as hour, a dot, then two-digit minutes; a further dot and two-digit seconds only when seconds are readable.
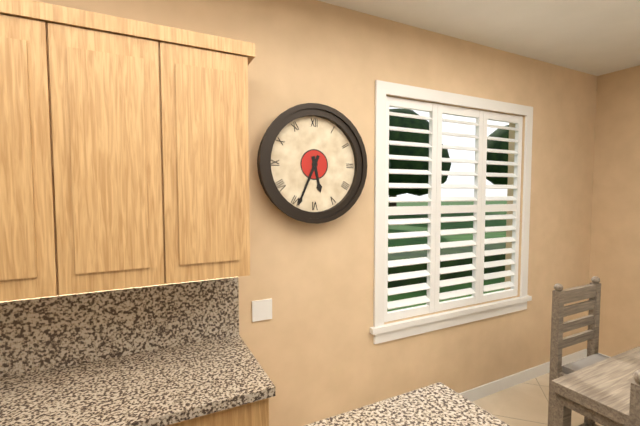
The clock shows 5.34
